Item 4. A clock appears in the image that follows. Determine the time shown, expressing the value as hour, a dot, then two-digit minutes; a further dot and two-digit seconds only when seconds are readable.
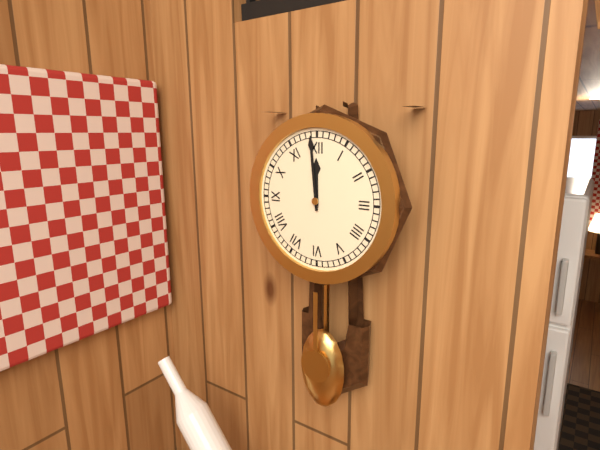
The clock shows 11.59
